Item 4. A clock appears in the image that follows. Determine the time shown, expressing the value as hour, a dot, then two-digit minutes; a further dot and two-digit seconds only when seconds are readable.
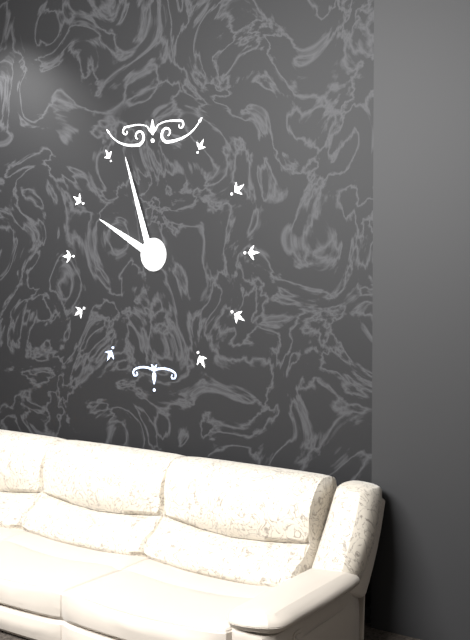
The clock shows 9.57
